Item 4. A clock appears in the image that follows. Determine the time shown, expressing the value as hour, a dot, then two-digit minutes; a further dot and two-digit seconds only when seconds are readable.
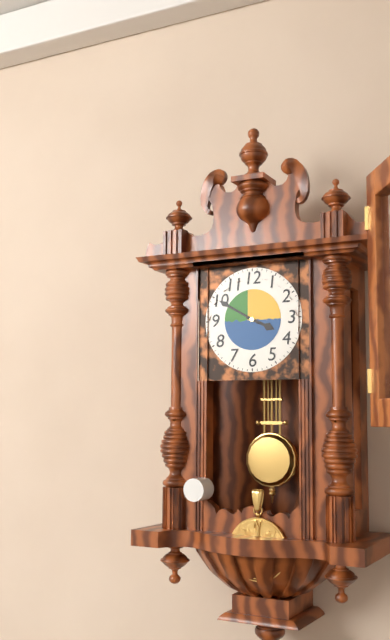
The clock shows 3.50
